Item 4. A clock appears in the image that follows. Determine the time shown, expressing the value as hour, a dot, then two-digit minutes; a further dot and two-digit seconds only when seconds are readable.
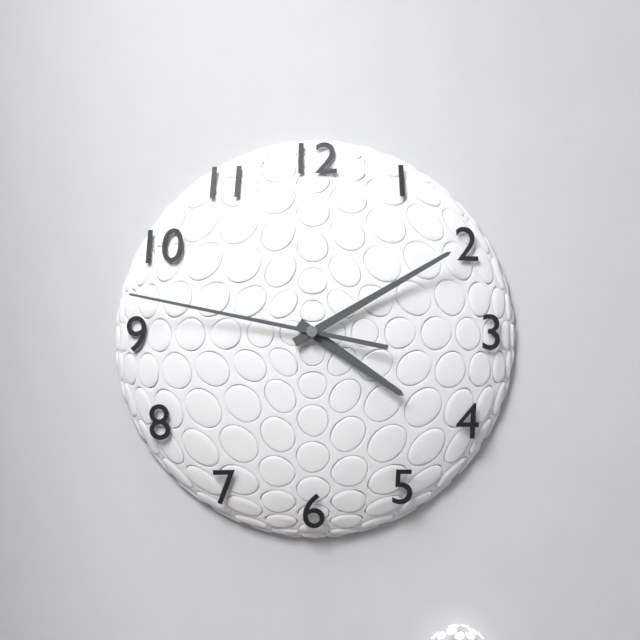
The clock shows 4.10.47
